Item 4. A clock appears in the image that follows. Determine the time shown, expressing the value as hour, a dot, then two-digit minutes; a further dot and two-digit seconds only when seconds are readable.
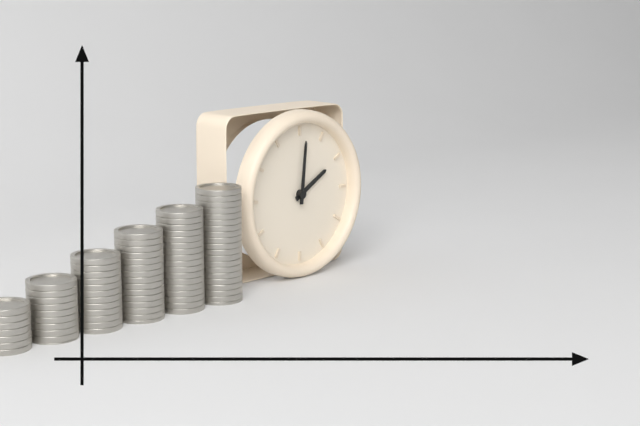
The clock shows 2.01
